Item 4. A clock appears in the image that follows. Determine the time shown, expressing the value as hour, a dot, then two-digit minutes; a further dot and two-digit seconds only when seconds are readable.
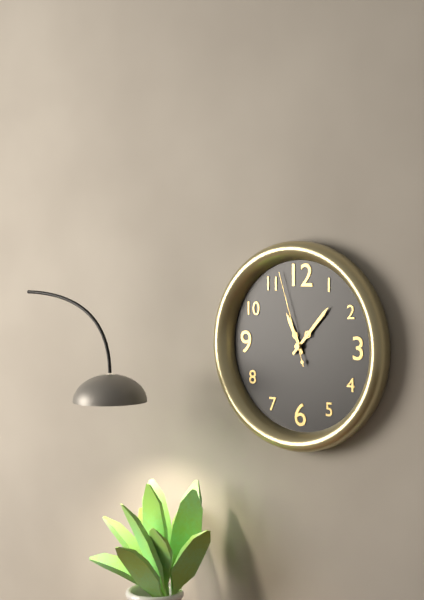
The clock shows 11.07.57
